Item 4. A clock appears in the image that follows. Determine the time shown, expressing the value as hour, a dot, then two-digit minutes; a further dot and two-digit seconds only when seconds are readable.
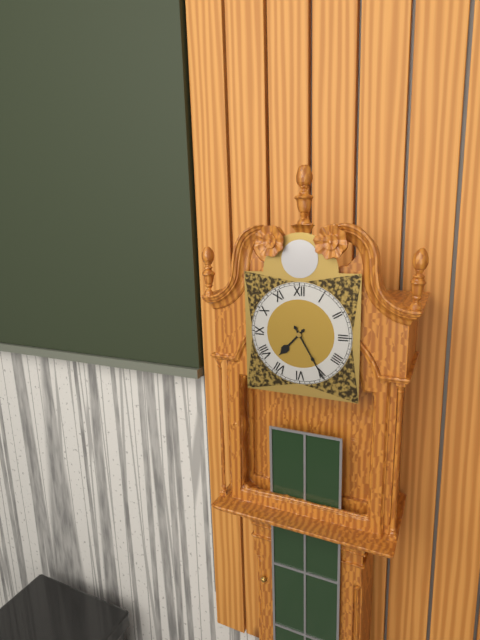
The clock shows 7.25
